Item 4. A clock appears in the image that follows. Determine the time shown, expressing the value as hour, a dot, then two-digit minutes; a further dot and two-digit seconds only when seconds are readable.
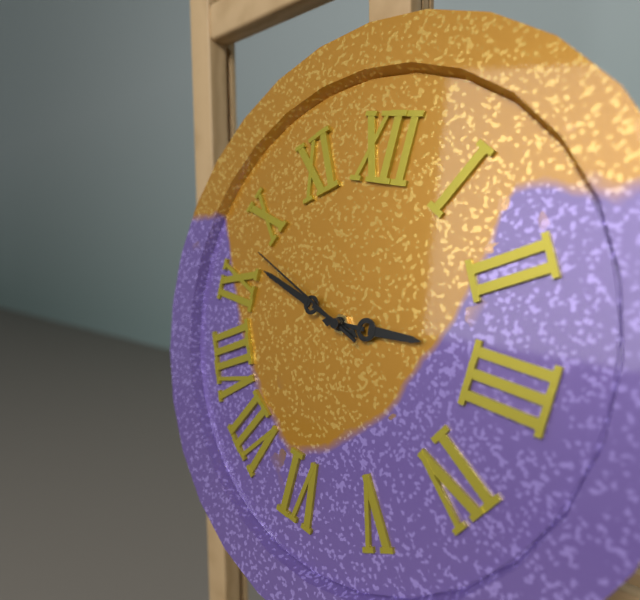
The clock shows 2.47.48
